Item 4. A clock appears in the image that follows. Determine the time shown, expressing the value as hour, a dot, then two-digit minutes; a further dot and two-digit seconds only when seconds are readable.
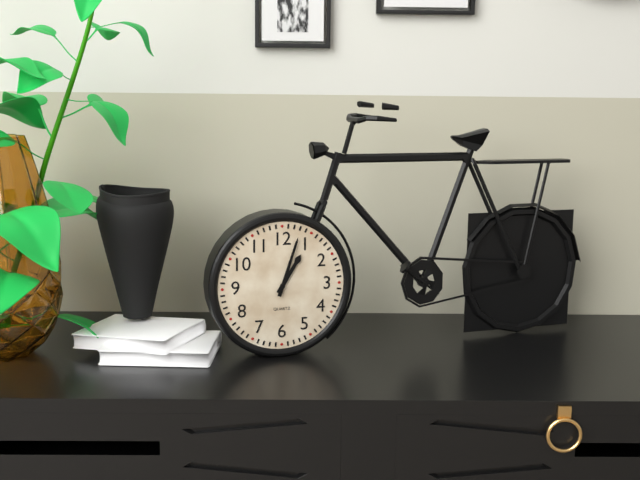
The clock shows 1.03
